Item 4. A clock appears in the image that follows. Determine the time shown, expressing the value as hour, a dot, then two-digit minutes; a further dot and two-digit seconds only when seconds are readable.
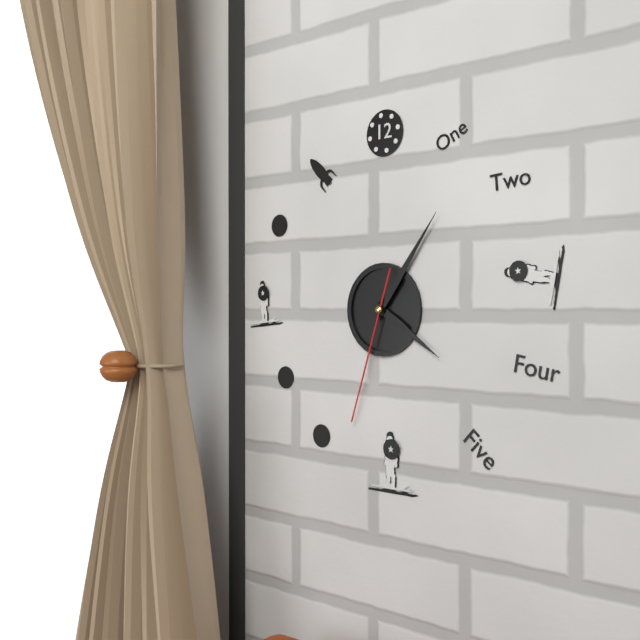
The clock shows 4.06.33
